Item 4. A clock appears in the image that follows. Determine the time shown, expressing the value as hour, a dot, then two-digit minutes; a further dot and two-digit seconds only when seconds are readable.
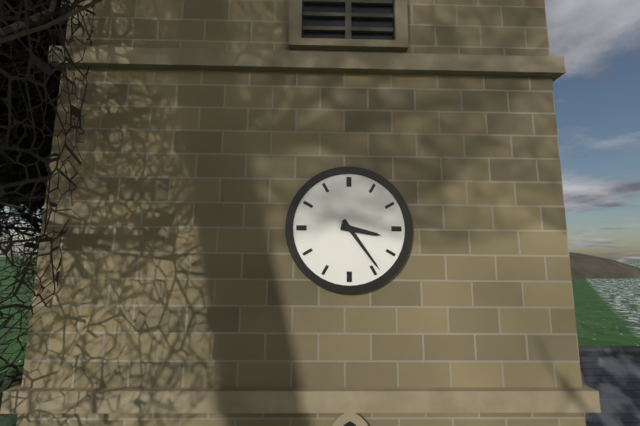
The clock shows 3.24
